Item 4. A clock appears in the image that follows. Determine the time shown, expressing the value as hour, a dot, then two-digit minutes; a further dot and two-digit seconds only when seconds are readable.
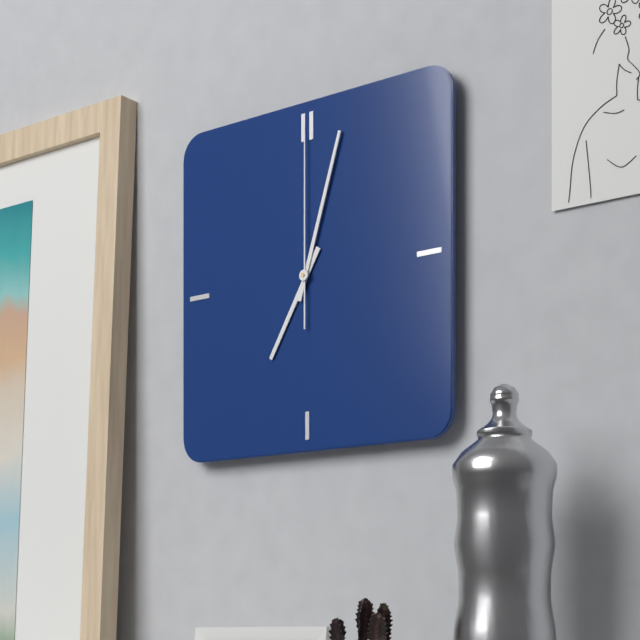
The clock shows 7.03.00
